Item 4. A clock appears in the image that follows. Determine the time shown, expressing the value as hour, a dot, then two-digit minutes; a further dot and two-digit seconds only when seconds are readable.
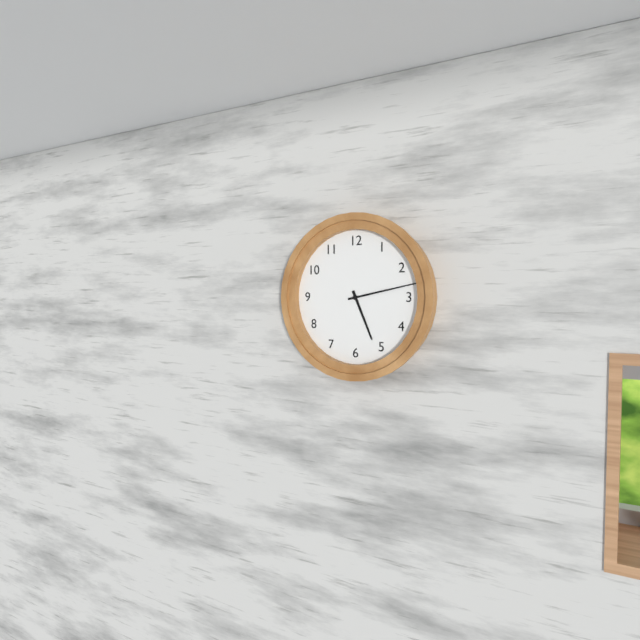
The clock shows 5.13
